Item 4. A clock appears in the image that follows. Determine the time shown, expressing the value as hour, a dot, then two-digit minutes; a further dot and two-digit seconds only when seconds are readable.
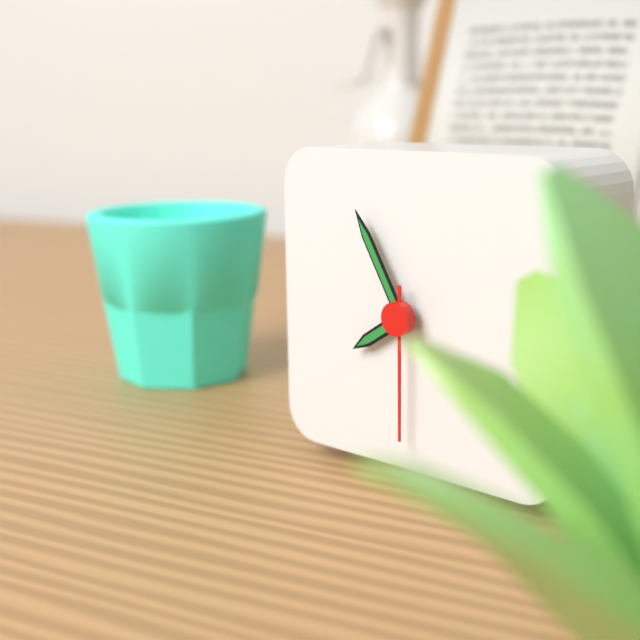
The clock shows 7.55.30
